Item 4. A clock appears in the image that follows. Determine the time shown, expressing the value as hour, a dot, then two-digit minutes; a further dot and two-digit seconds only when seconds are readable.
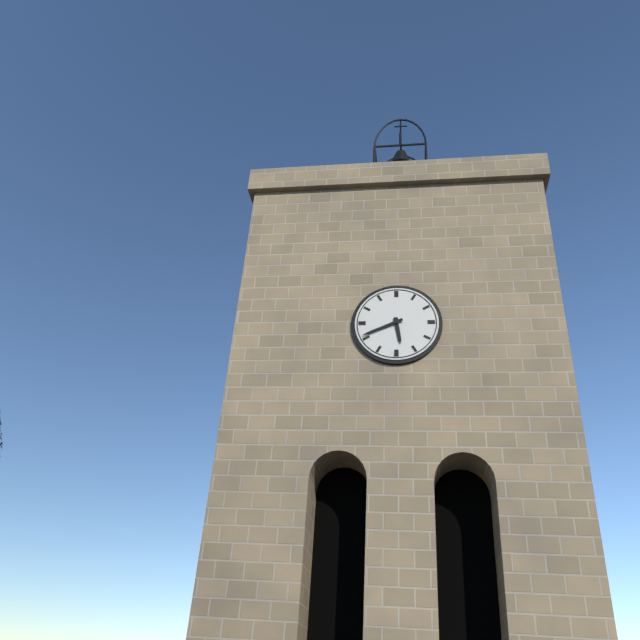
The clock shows 5.41
